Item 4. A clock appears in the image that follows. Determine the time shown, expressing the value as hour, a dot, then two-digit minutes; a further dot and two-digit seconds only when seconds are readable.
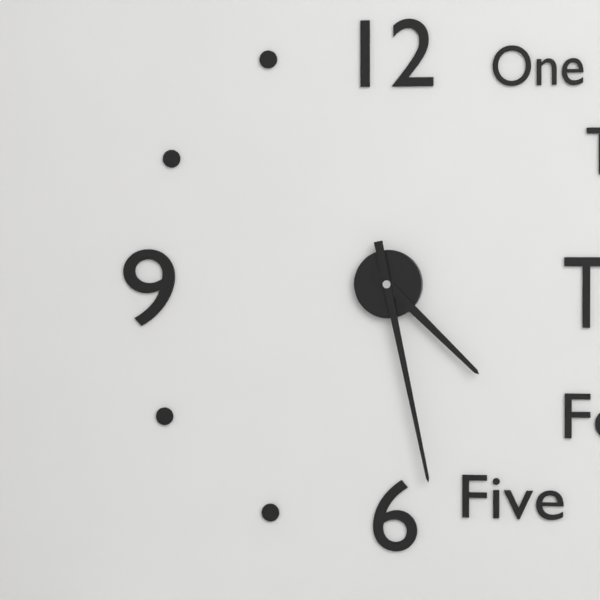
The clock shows 4.28
